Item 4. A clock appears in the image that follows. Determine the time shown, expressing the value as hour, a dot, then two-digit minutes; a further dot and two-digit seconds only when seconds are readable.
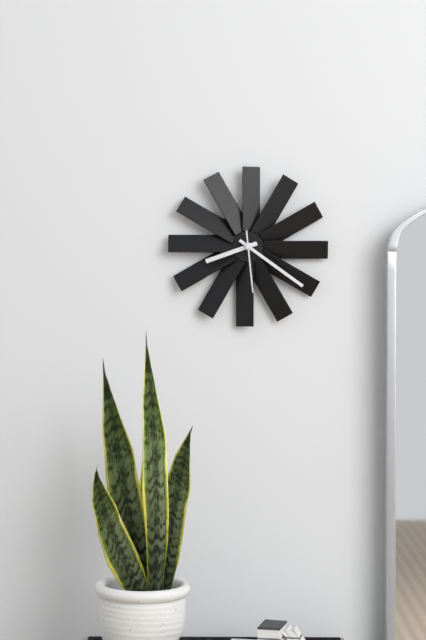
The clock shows 8.21.29
